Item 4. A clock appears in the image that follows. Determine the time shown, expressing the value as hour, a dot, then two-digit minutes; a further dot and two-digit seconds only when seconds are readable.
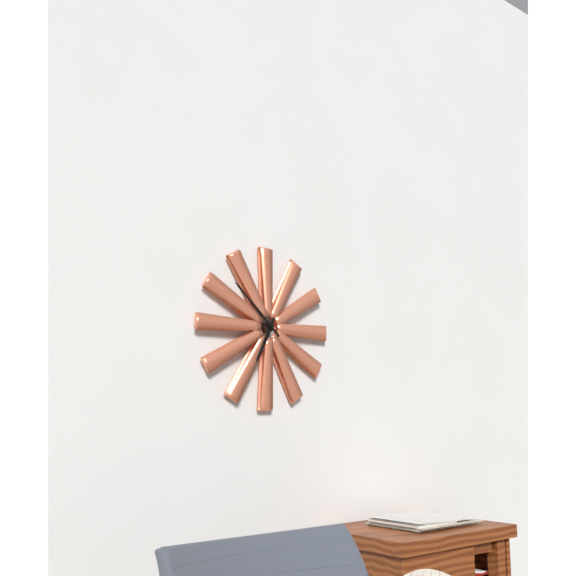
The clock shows 6.52
